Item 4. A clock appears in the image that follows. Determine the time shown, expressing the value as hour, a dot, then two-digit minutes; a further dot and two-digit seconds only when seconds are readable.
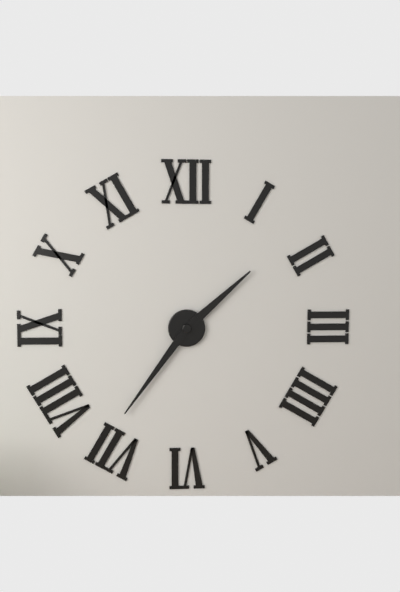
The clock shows 1.36
